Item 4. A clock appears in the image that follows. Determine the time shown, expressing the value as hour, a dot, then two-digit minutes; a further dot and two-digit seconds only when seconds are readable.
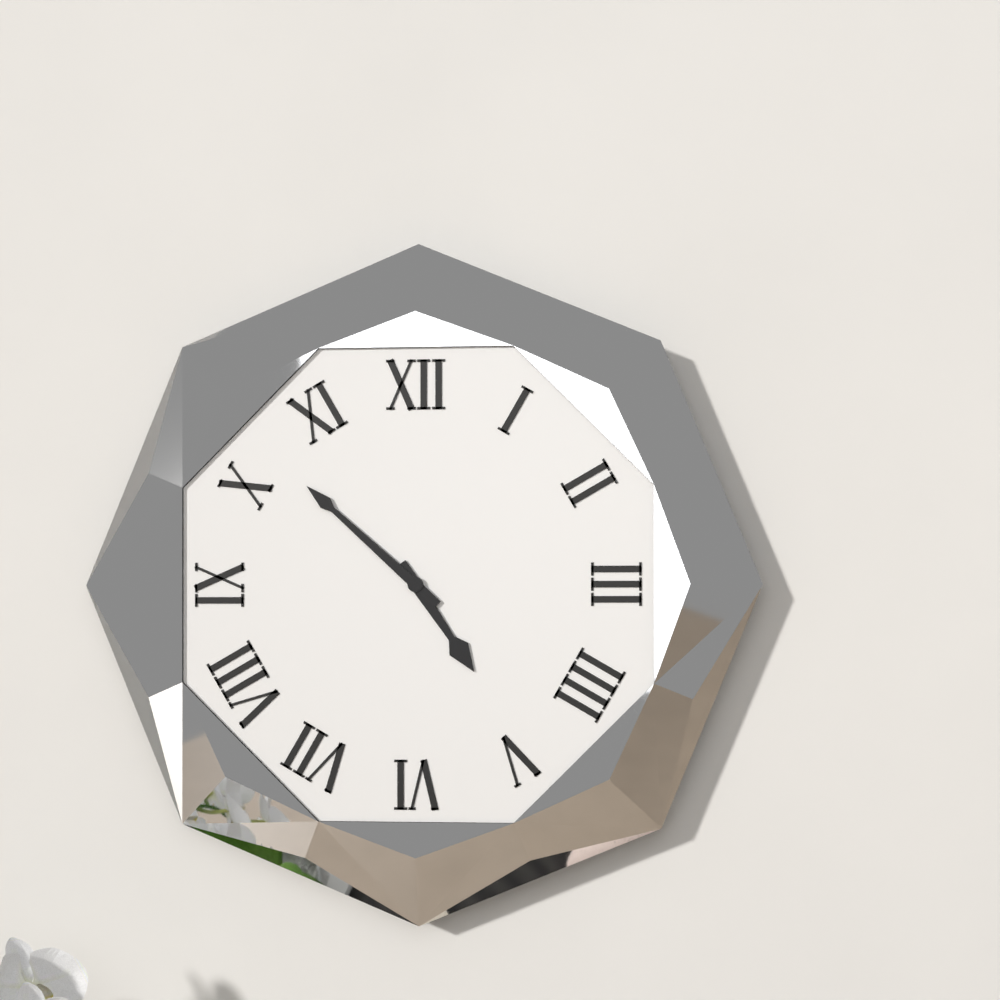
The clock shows 4.52
